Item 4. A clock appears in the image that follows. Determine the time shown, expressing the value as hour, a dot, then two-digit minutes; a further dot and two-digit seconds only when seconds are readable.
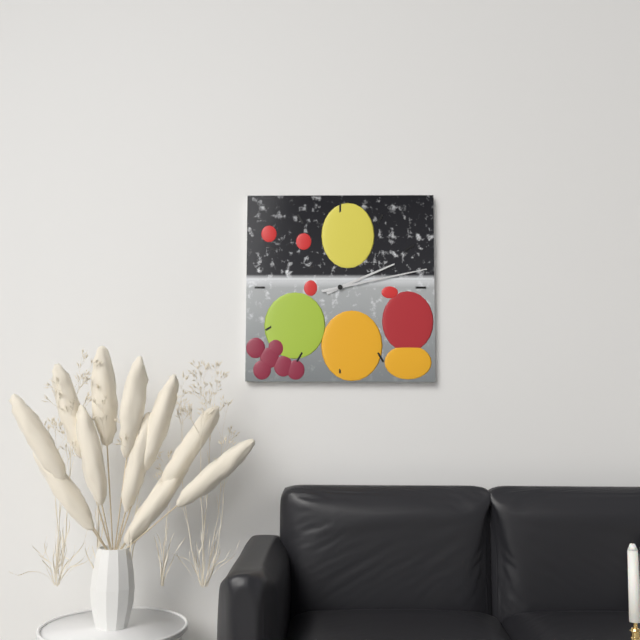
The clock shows 2.13
